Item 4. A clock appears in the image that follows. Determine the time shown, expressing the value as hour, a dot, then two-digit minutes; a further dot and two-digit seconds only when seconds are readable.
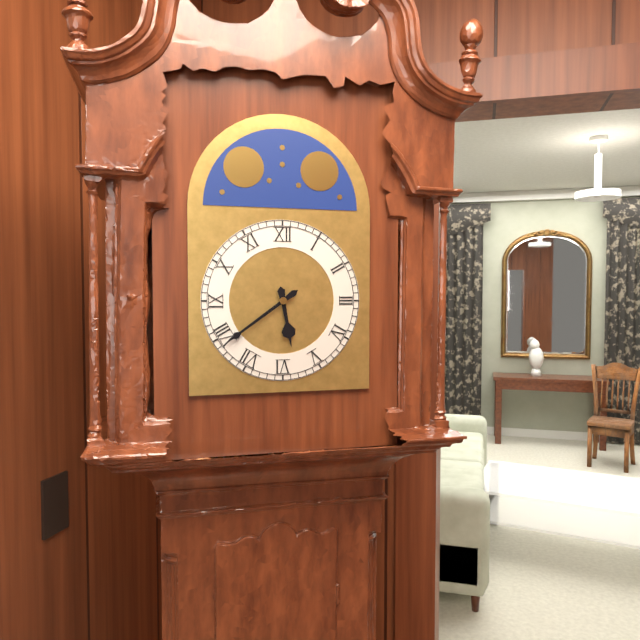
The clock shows 5.39
